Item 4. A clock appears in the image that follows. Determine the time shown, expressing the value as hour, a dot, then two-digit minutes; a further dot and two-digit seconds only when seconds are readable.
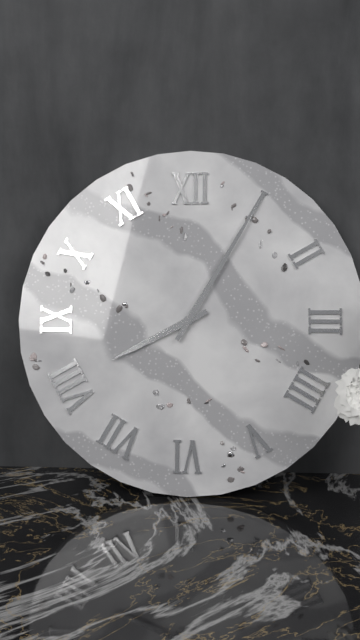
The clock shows 8.05
